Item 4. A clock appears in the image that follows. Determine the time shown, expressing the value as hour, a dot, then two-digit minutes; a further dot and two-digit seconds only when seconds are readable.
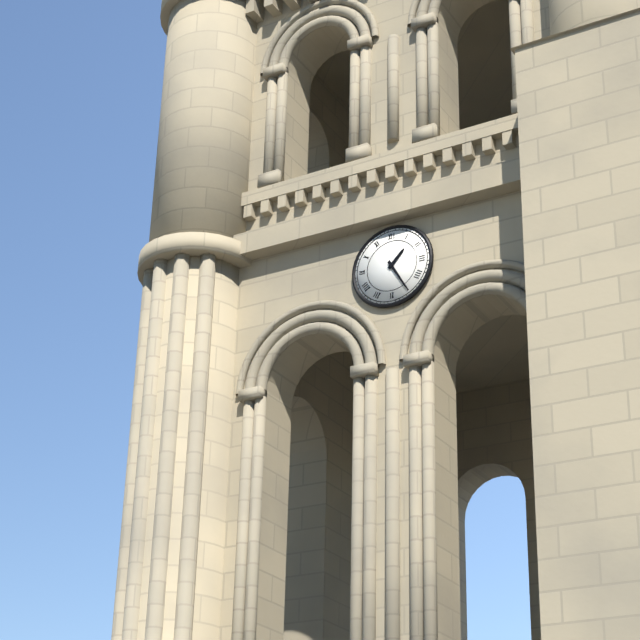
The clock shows 1.25
